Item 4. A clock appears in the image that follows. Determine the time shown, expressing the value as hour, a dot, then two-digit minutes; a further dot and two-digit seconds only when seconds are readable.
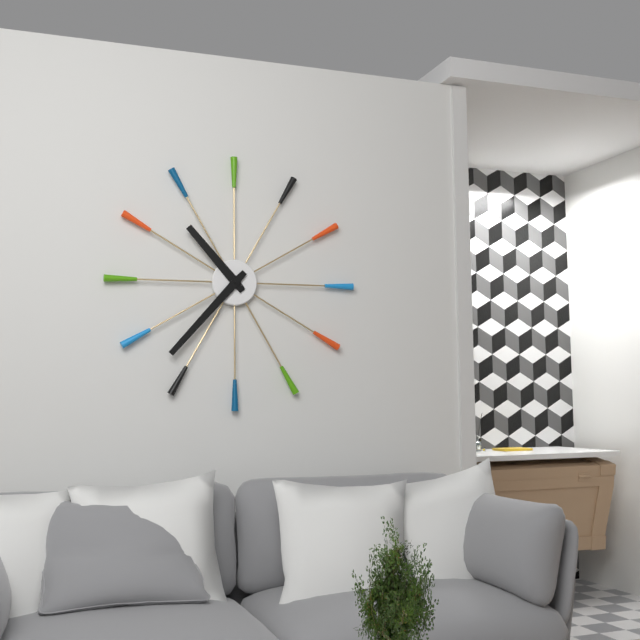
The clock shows 10.37
